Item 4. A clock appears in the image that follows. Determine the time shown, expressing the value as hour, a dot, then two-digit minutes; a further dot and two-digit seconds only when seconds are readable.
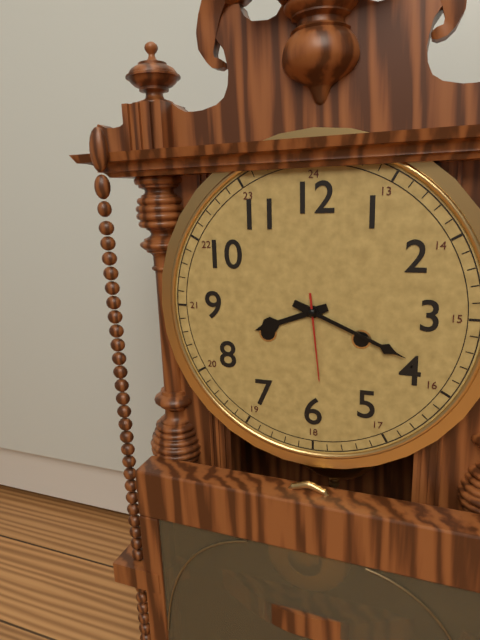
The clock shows 8.19.29
